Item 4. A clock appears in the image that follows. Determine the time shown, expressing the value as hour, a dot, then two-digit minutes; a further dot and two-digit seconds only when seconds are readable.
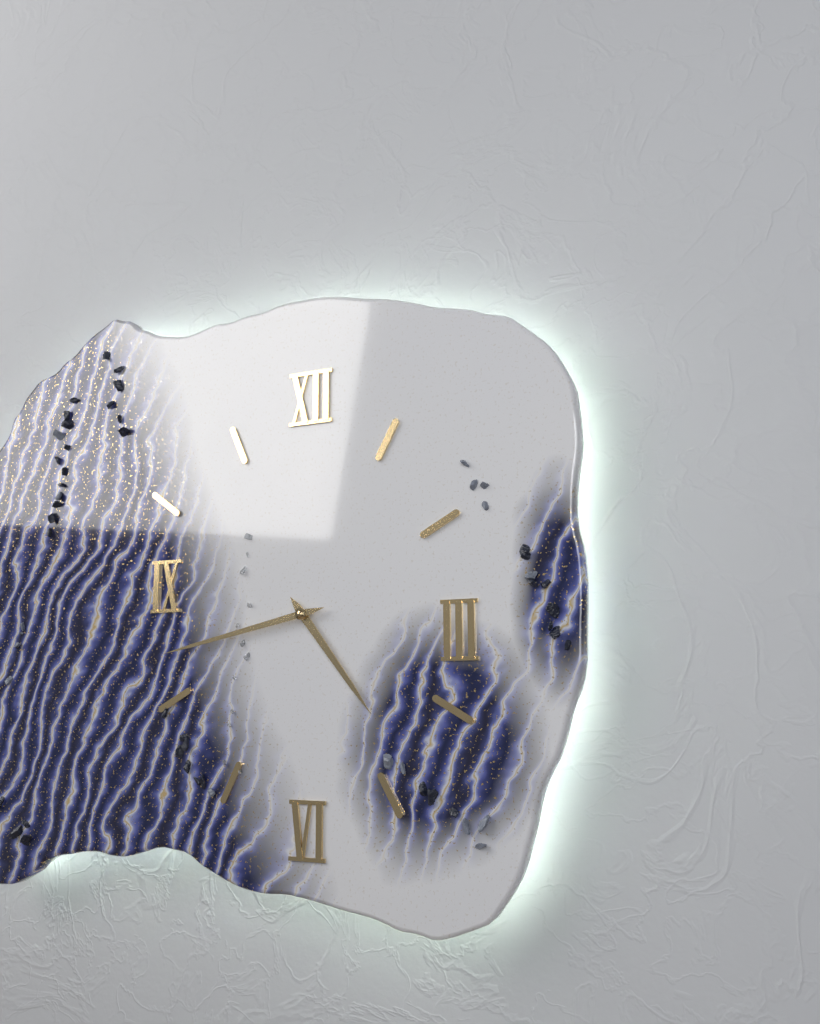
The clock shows 4.43
